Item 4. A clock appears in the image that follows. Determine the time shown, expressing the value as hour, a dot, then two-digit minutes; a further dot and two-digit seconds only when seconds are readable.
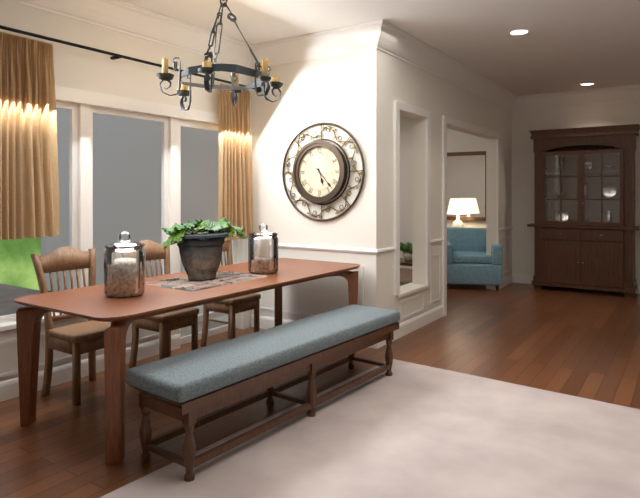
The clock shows 5.23
